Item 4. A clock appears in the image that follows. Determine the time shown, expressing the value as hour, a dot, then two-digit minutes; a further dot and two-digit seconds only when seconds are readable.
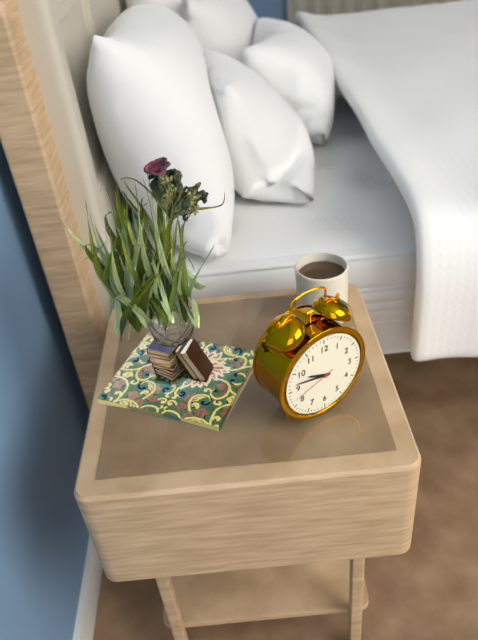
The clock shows 9.47
